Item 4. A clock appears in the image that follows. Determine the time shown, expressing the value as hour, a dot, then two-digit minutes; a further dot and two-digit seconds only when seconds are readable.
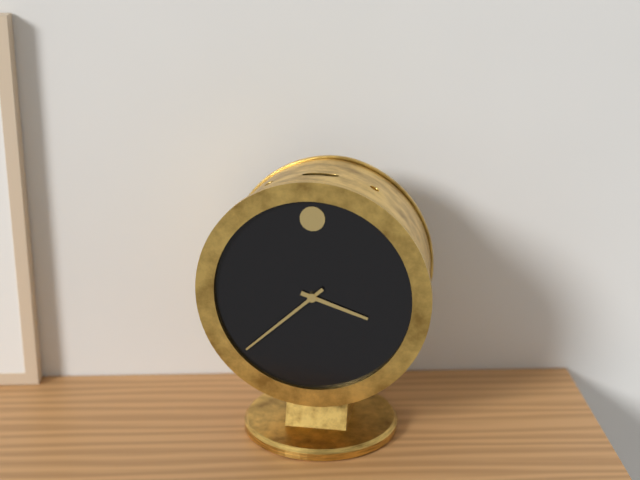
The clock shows 3.38
